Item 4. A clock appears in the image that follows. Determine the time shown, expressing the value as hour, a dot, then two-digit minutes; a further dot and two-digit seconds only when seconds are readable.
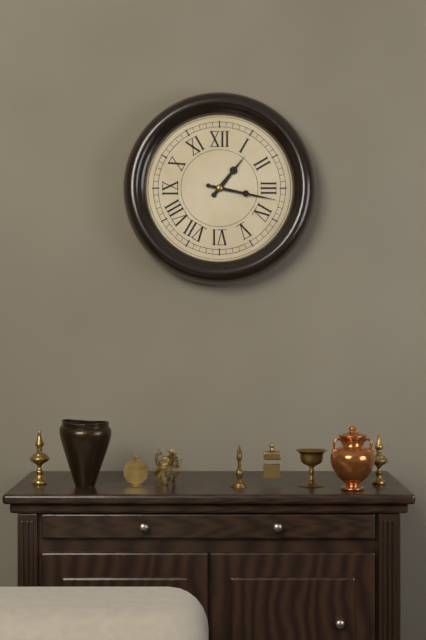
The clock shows 1.17
